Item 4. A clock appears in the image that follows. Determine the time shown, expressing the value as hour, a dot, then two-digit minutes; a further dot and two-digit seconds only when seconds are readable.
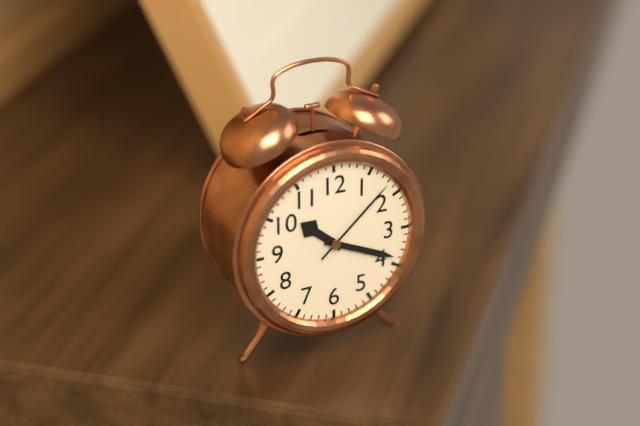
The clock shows 10.19.08
